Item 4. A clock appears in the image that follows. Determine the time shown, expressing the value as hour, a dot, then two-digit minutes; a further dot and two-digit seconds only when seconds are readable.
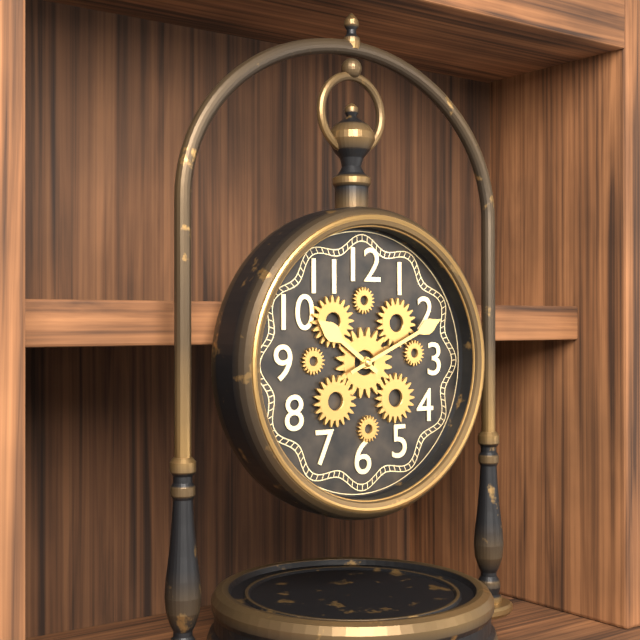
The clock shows 10.11
